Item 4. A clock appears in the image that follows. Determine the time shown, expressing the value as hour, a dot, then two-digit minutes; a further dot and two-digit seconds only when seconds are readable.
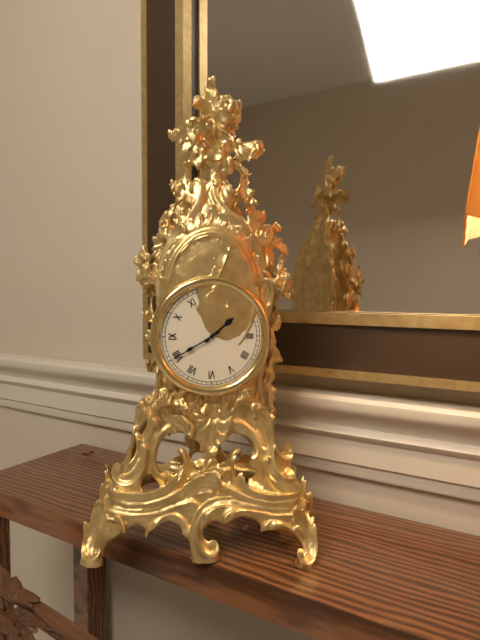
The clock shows 1.40
